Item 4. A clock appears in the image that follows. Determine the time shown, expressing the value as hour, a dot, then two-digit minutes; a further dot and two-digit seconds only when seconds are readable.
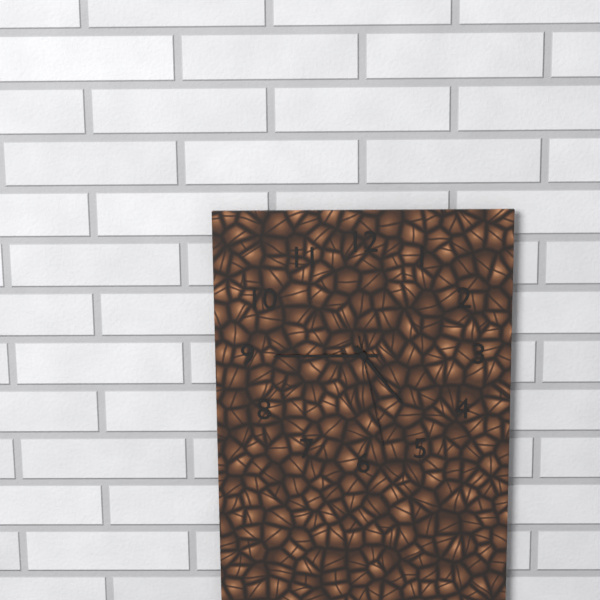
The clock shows 4.45.28
